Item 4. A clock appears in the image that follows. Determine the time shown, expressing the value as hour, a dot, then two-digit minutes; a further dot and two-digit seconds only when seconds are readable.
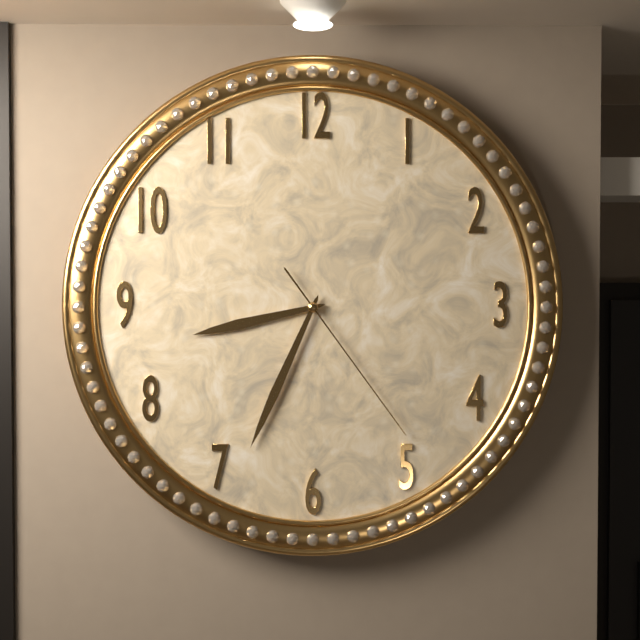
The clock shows 8.34.24
